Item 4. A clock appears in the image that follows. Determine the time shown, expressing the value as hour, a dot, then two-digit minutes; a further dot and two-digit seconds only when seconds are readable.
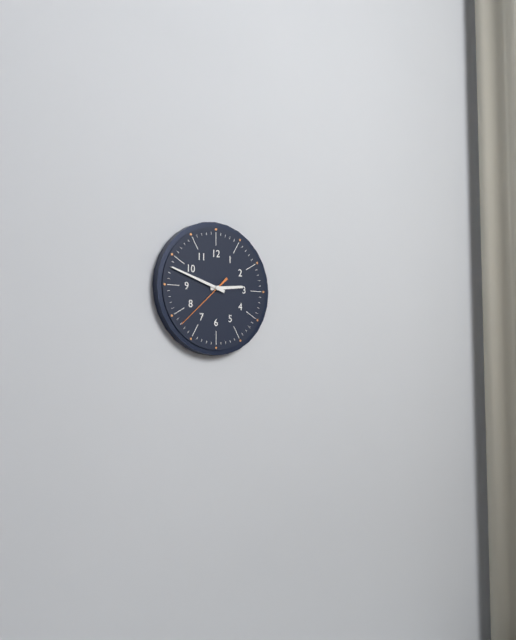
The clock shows 2.48.38
